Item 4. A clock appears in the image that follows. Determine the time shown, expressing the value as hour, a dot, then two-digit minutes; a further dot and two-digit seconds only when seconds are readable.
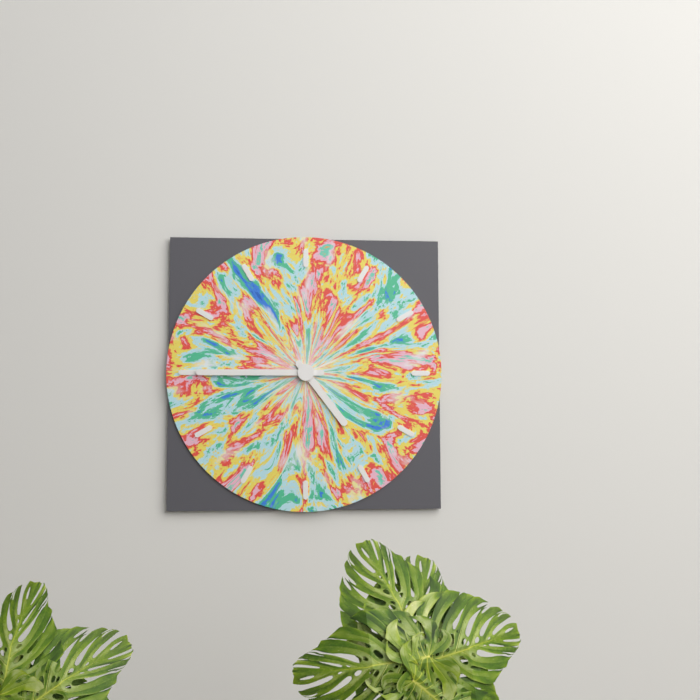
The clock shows 4.45
